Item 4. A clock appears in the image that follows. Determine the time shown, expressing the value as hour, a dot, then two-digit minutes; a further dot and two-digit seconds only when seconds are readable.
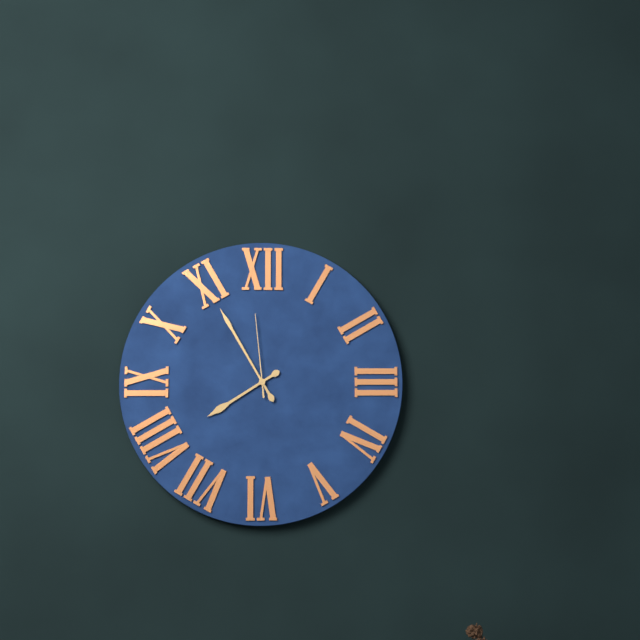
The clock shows 7.55.59
